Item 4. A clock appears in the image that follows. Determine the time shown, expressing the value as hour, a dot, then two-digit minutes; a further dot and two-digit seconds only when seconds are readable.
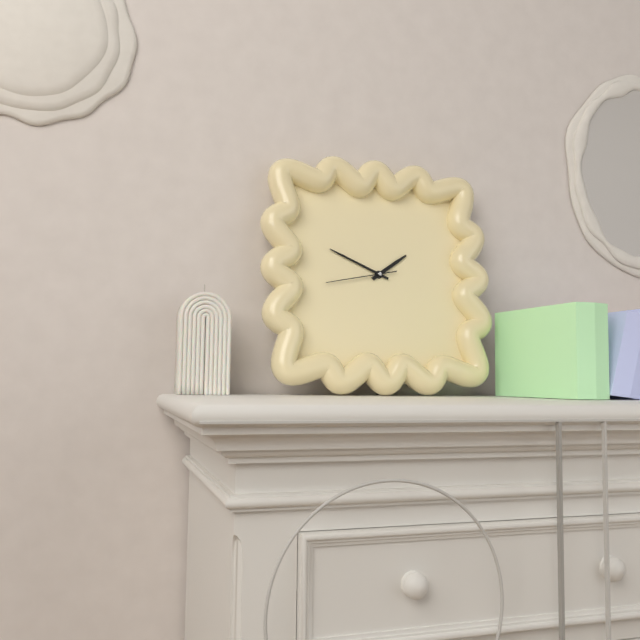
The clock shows 1.49.43
